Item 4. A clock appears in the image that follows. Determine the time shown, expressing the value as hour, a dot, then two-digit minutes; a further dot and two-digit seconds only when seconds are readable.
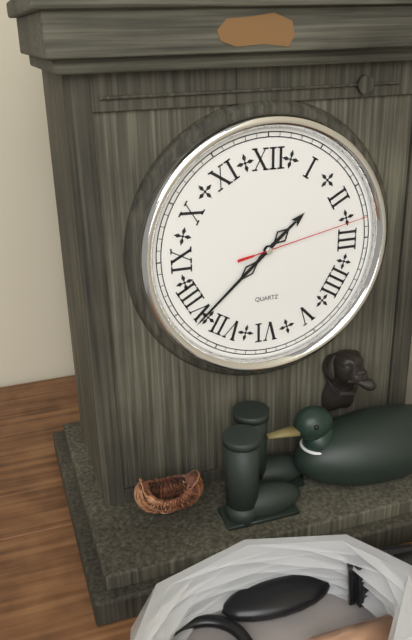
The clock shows 1.38.13
